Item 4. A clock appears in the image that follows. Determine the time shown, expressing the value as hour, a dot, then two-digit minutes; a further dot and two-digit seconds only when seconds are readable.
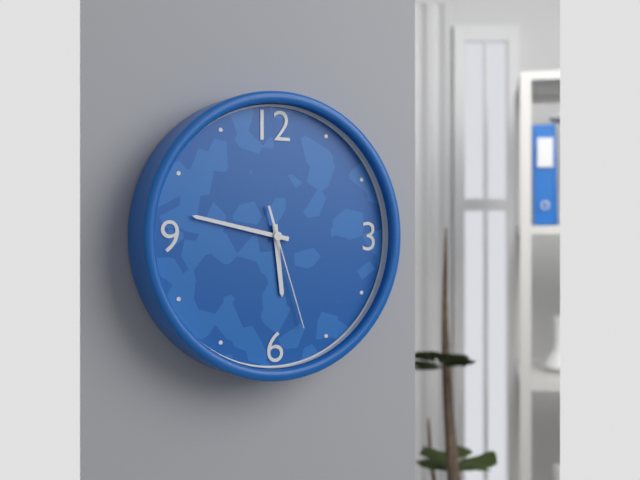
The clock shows 5.47.27
